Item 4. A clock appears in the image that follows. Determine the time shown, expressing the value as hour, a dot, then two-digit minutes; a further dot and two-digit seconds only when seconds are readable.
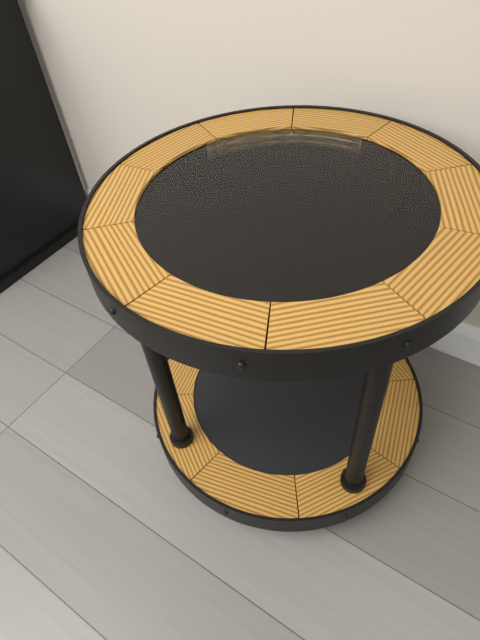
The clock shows 7.00
